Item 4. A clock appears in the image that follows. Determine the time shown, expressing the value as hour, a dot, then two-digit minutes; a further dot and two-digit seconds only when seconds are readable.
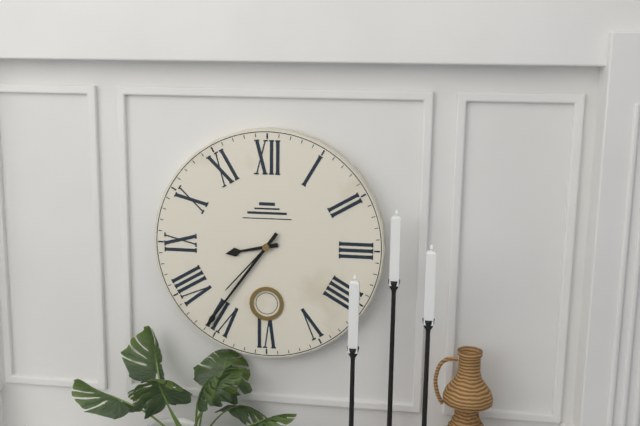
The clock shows 8.36.37
